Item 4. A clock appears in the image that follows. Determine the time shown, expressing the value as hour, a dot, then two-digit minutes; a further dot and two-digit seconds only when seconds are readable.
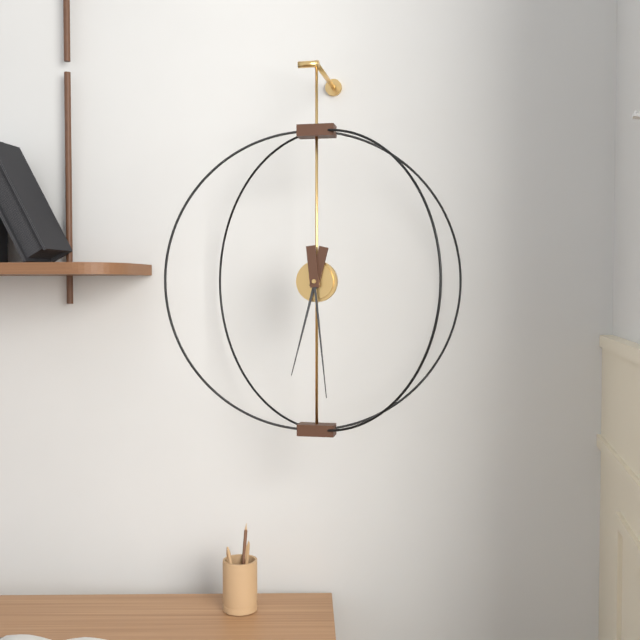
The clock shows 6.29
